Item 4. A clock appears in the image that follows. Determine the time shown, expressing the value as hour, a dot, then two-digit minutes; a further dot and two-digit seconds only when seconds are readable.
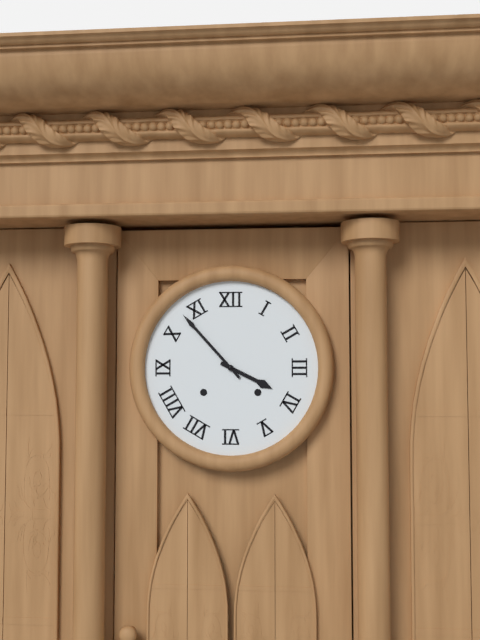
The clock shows 3.53
